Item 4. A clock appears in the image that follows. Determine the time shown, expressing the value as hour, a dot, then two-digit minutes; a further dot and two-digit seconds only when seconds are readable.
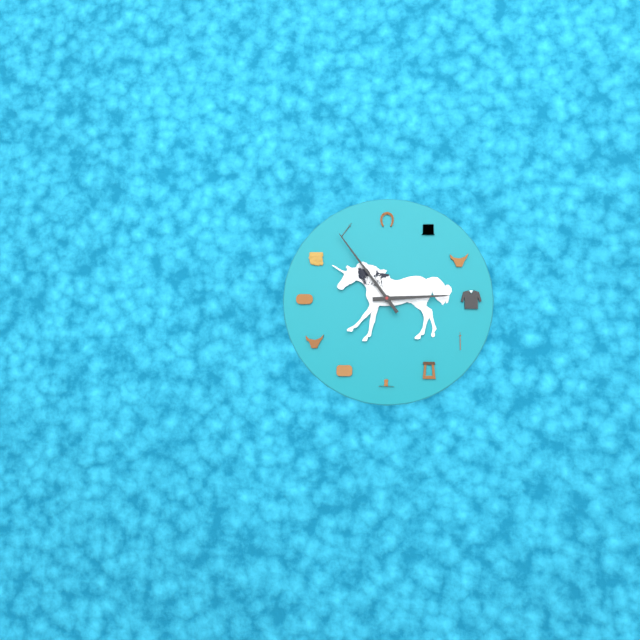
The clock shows 2.54
